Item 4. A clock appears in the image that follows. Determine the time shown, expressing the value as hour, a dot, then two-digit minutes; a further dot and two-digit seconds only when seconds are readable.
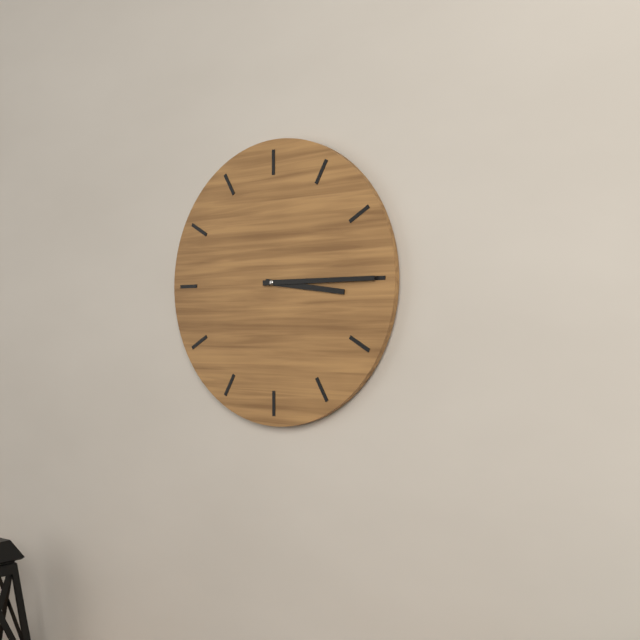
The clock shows 3.15
